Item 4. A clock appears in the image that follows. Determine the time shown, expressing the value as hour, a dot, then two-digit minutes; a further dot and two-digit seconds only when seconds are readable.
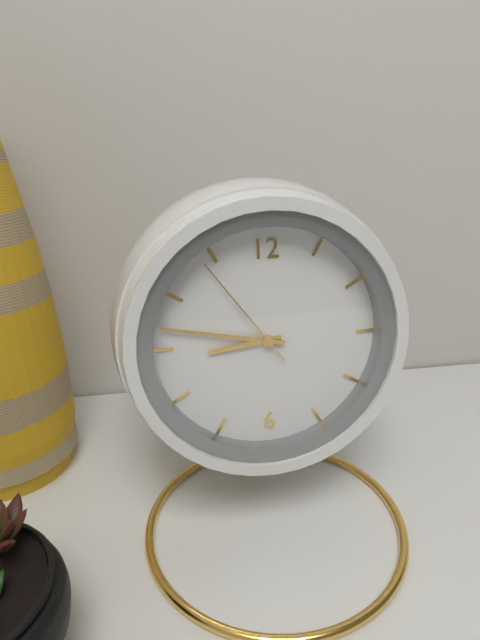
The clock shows 8.47.54
